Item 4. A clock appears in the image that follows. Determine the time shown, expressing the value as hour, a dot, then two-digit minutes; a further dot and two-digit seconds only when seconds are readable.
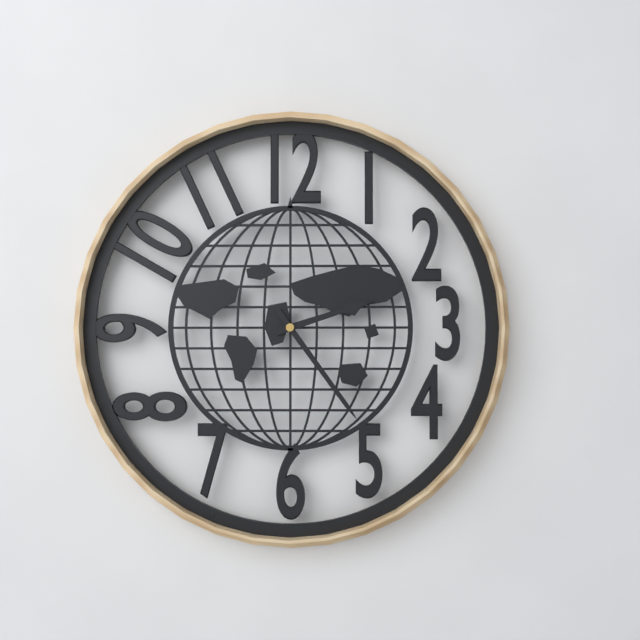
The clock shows 2.24
